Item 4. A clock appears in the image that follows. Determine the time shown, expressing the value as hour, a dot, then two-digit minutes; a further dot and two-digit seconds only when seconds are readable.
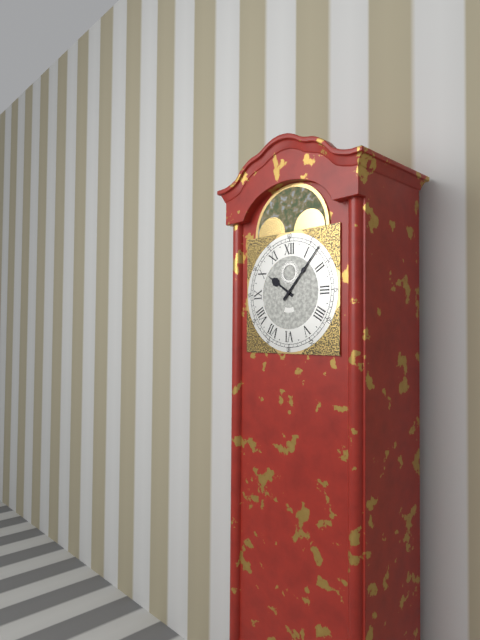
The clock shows 10.07
